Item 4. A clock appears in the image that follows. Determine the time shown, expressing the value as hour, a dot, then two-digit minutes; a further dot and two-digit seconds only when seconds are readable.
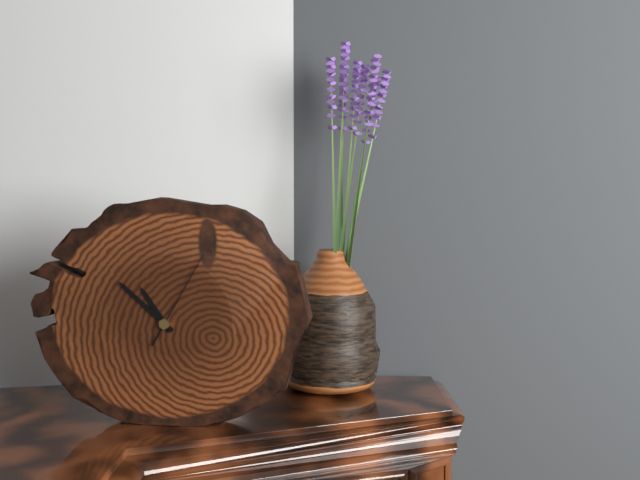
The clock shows 10.52.05
